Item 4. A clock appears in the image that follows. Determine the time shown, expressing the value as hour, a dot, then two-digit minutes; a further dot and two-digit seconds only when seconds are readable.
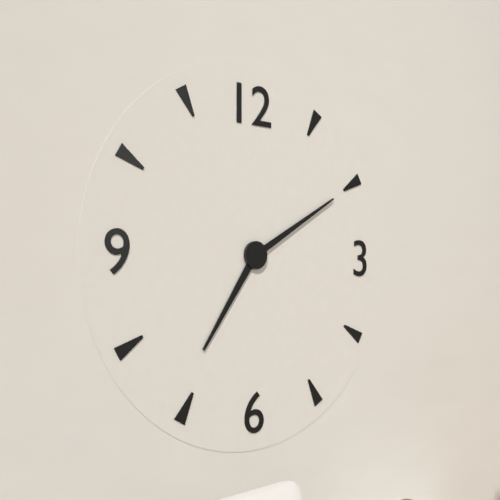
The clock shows 7.10
